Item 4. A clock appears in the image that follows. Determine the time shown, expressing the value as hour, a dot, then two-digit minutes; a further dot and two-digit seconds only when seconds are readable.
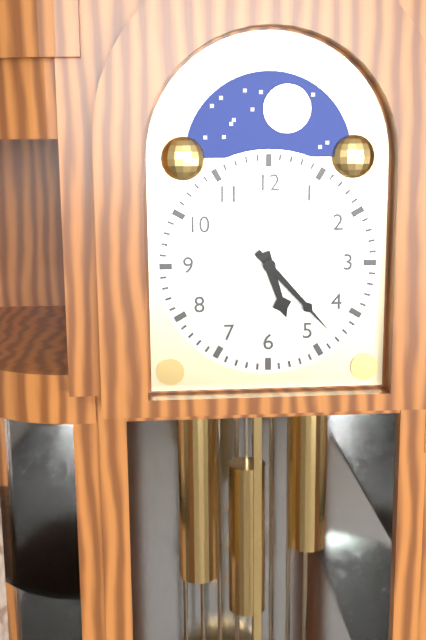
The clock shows 5.23
